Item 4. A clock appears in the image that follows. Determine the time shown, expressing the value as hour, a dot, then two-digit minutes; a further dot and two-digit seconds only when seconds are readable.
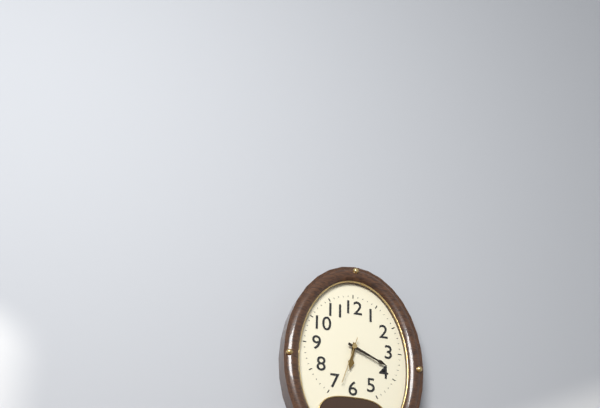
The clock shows 6.19
